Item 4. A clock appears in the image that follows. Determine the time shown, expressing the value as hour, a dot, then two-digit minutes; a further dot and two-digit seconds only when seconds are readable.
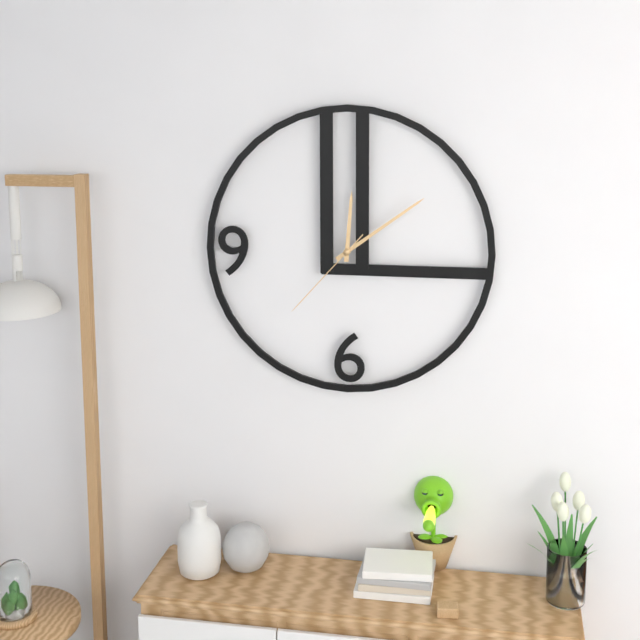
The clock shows 12.09.37
